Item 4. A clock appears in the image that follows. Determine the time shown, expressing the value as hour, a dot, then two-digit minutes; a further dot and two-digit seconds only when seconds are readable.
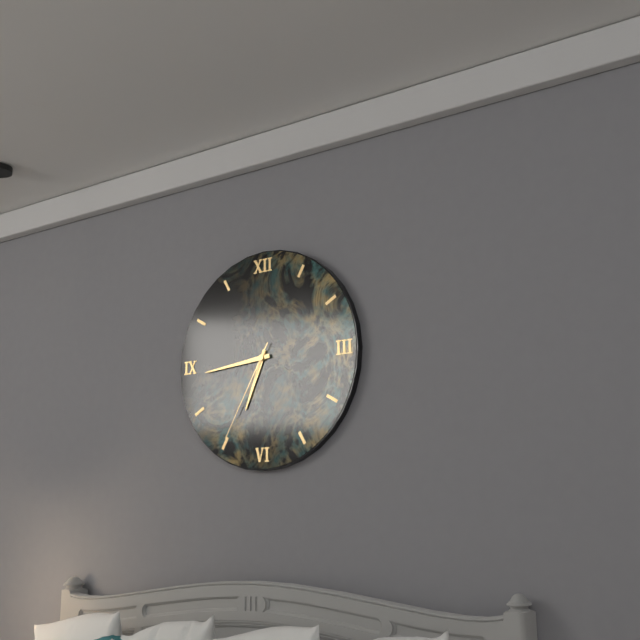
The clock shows 6.44.35
